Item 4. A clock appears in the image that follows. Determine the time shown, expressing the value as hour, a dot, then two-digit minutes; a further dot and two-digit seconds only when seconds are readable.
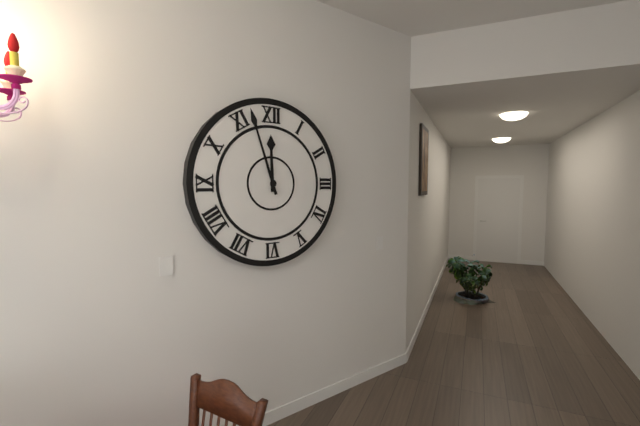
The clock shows 11.57
